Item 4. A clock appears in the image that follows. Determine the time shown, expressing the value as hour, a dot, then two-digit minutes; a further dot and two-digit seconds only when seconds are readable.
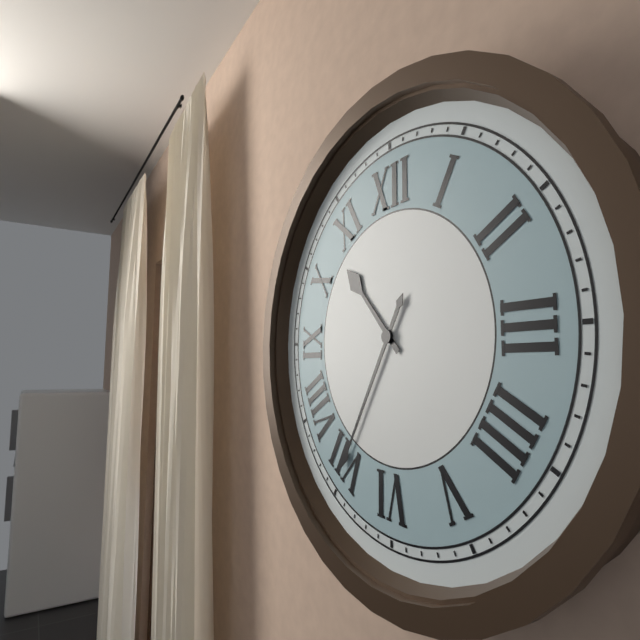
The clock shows 10.35
